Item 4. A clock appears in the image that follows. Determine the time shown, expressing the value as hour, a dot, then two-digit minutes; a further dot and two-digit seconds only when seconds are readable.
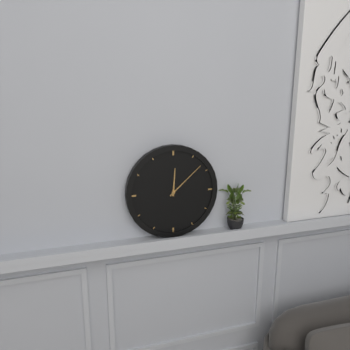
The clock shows 12.08
